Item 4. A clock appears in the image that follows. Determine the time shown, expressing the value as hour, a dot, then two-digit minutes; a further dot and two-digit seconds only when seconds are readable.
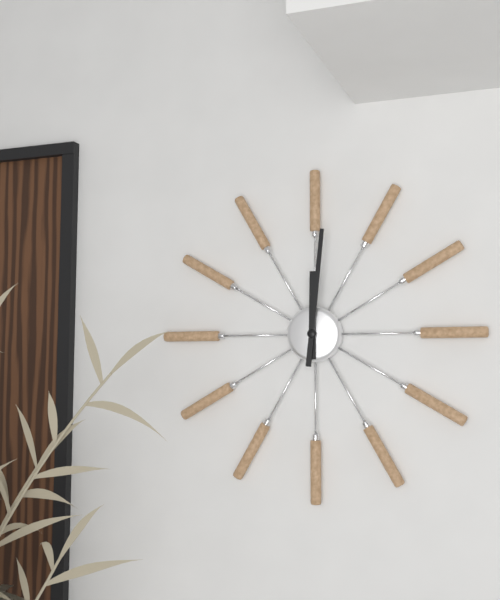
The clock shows 12.01
